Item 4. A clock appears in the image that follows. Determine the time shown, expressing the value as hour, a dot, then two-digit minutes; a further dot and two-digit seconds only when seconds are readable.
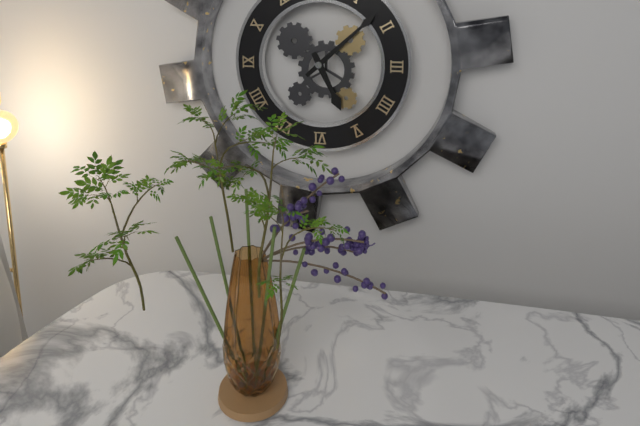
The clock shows 5.08
